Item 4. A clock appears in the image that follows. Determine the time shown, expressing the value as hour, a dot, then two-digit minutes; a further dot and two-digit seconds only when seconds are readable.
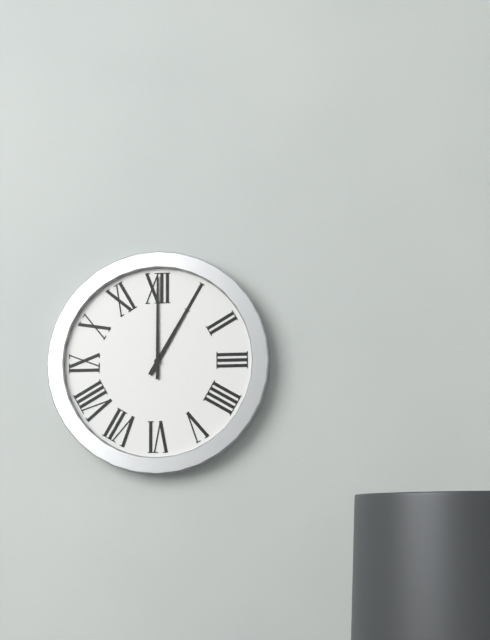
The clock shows 1.00
